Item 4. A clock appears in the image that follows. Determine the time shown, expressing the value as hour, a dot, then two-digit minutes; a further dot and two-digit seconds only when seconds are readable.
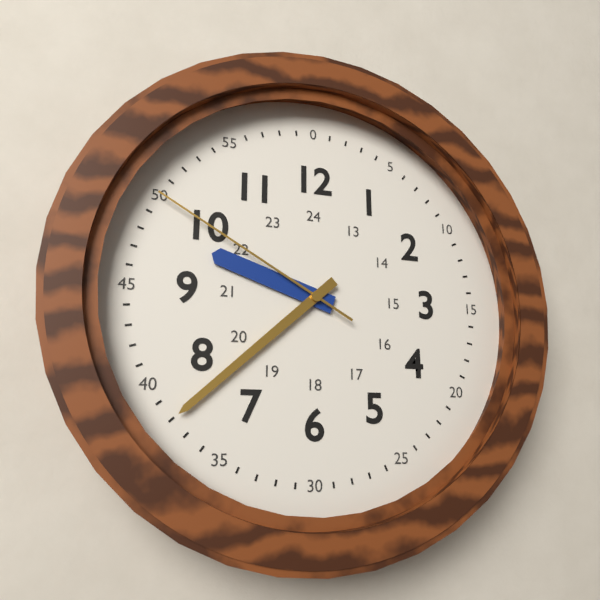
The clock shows 9.38.50
